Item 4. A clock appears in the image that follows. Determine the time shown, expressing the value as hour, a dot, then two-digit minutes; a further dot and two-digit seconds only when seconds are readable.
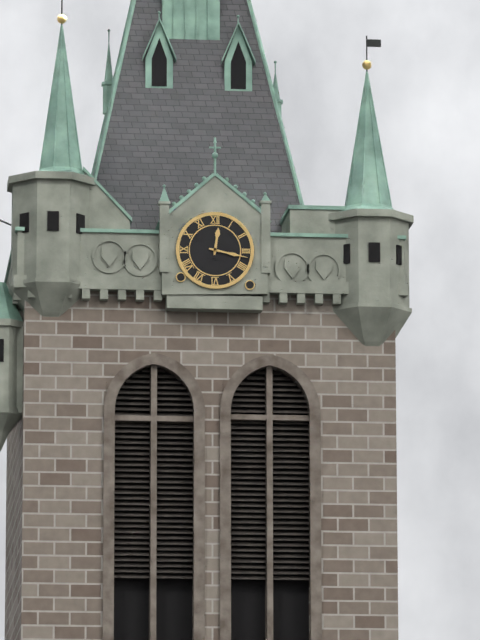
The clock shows 12.17
